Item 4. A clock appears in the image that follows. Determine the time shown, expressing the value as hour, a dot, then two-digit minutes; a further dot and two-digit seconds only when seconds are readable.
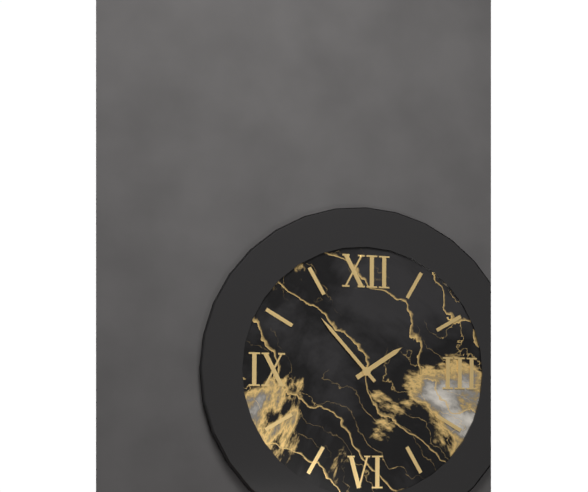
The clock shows 1.53
